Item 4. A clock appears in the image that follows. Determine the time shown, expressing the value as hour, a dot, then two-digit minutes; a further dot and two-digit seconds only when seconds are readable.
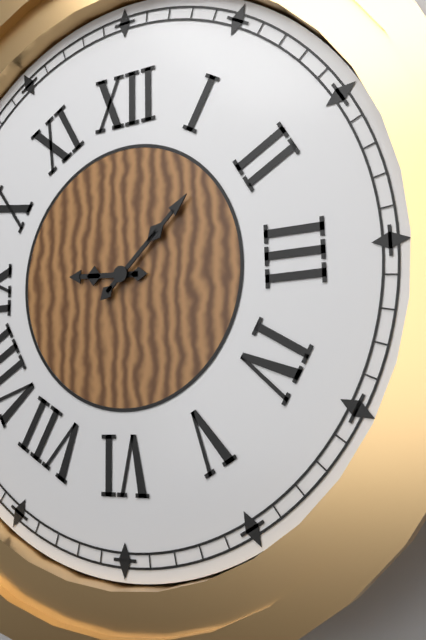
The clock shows 9.08
